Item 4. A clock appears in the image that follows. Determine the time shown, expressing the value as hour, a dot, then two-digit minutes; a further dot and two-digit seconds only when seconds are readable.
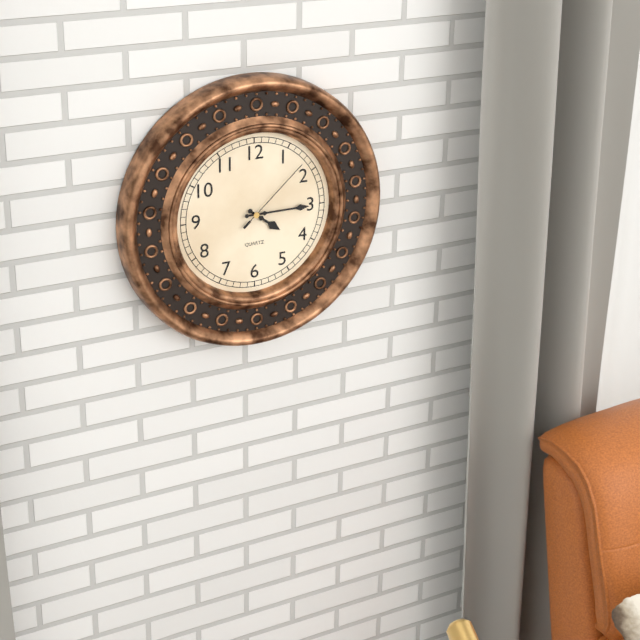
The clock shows 4.15.08
